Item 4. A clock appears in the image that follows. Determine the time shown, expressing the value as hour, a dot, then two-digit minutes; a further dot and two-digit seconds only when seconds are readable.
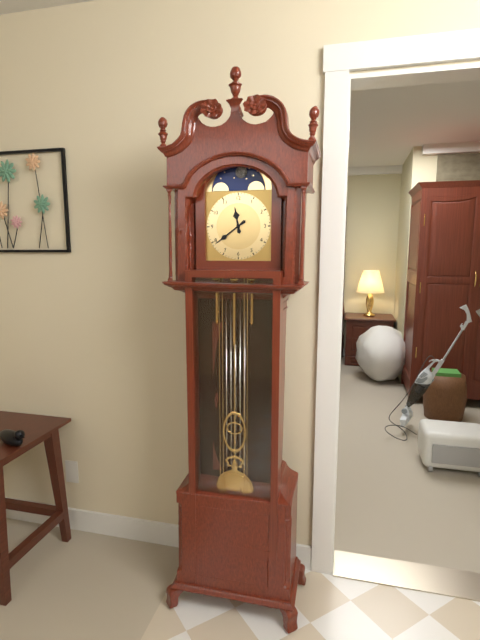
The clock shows 11.39
